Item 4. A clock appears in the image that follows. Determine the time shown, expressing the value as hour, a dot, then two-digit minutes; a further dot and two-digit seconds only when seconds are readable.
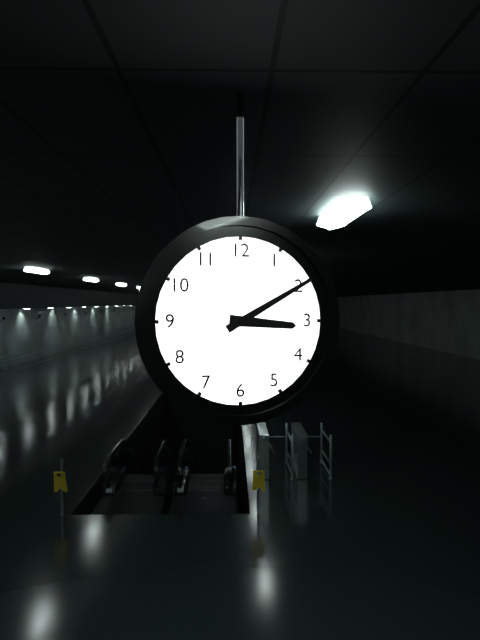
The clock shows 3.10
